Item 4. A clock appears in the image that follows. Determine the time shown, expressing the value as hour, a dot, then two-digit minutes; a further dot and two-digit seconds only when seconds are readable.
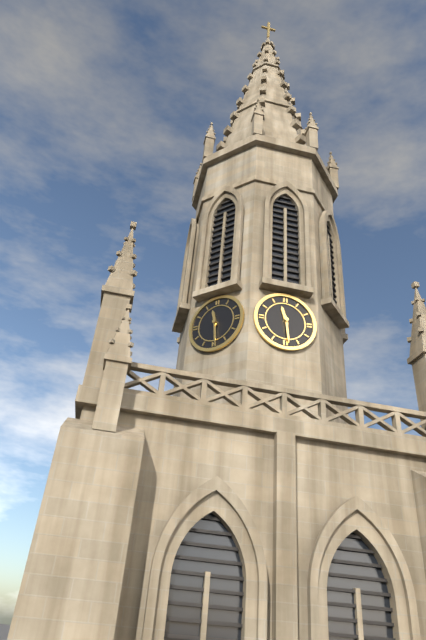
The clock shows 11.29
